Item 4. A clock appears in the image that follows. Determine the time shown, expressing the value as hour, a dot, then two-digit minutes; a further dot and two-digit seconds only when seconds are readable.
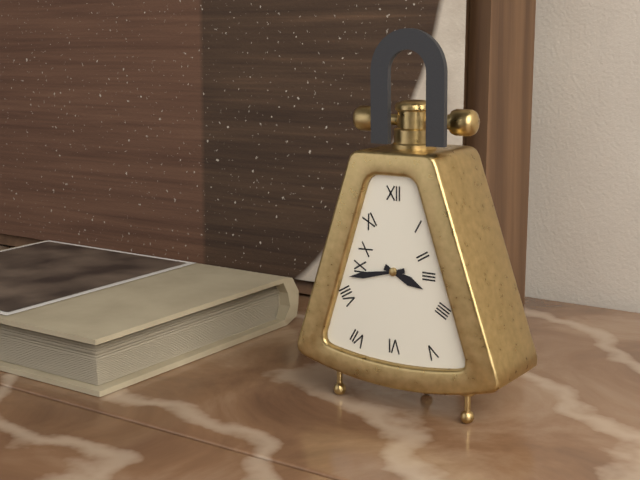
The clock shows 3.43
